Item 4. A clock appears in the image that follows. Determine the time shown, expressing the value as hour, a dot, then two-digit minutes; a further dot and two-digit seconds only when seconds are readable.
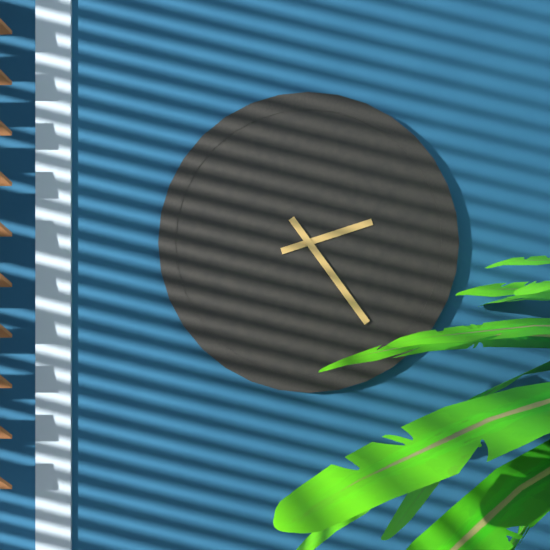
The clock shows 2.24
